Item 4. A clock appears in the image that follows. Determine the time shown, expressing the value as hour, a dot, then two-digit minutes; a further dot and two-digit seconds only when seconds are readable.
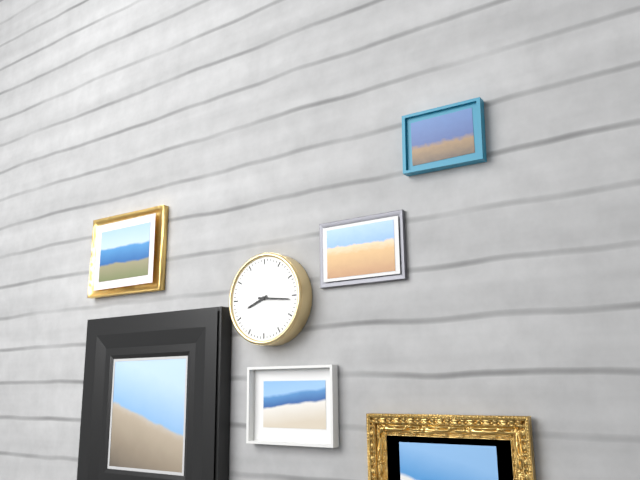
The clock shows 8.16
